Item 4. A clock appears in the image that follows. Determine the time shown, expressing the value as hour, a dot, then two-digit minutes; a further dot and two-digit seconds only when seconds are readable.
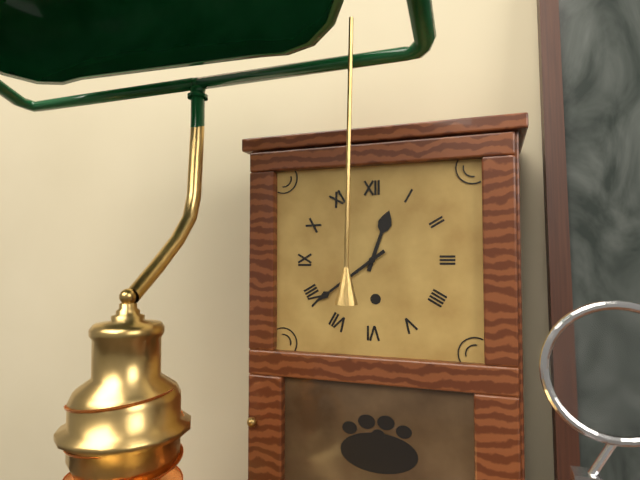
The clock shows 12.39
